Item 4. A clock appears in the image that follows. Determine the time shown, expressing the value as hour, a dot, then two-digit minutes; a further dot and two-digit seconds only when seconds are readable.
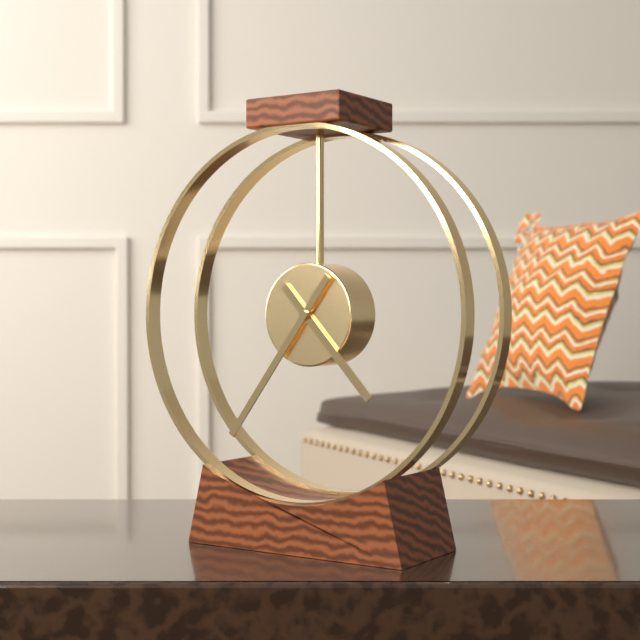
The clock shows 4.36
